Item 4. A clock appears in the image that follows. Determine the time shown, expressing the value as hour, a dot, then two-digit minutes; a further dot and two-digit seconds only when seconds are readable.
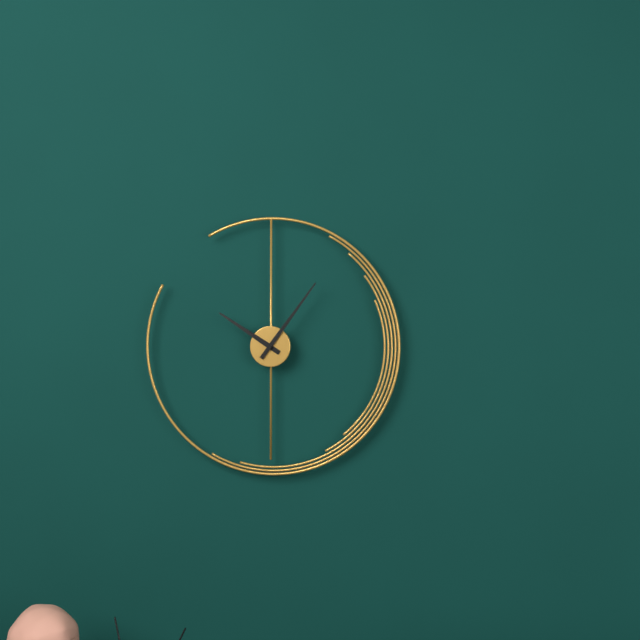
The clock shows 10.06
